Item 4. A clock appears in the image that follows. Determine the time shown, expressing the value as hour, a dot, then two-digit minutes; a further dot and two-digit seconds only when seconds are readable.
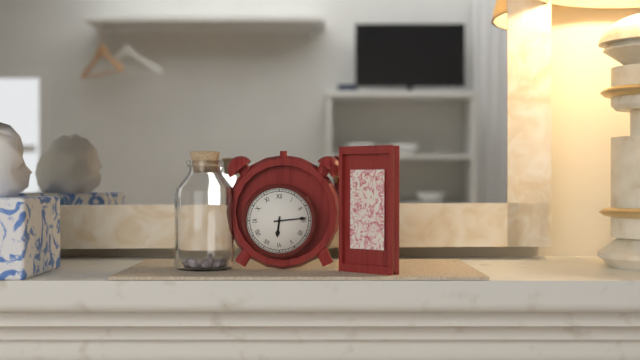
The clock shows 6.14
